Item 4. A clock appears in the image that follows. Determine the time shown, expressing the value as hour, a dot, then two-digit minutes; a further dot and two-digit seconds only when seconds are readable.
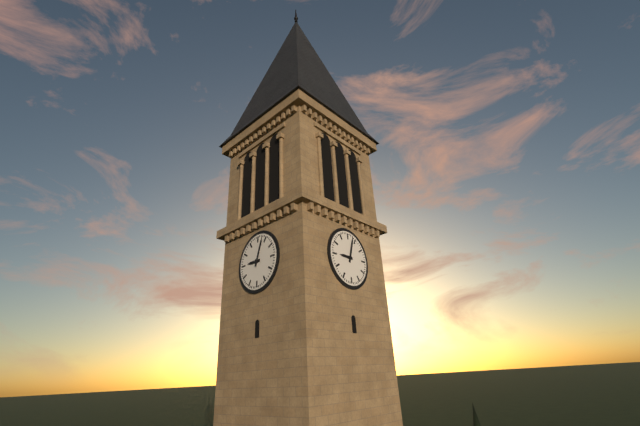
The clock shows 9.03
